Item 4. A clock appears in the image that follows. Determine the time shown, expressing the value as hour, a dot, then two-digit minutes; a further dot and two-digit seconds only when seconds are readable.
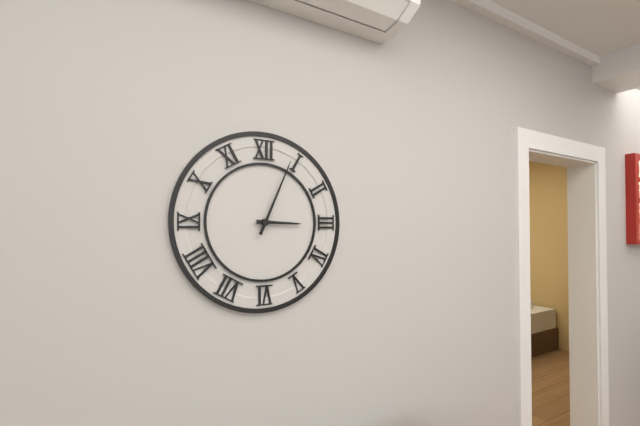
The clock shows 3.04
